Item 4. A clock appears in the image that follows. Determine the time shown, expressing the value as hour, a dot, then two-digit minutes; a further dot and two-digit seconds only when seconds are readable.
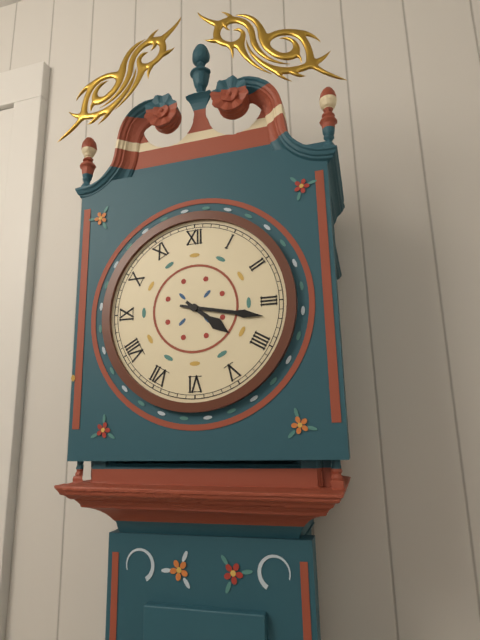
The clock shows 4.17
